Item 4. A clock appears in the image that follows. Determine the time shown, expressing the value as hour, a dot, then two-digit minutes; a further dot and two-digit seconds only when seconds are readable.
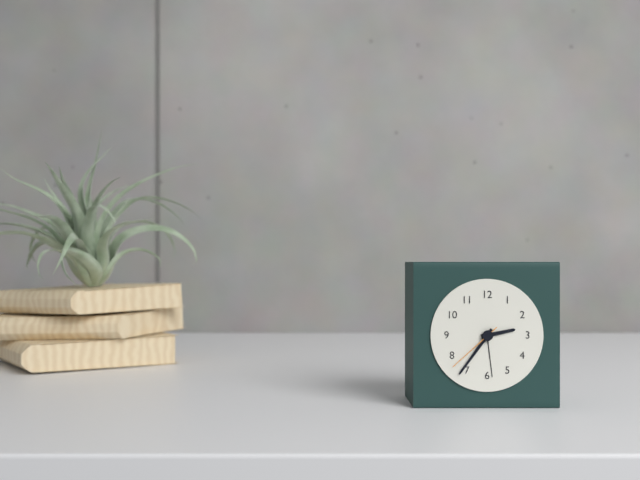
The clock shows 2.36.38
